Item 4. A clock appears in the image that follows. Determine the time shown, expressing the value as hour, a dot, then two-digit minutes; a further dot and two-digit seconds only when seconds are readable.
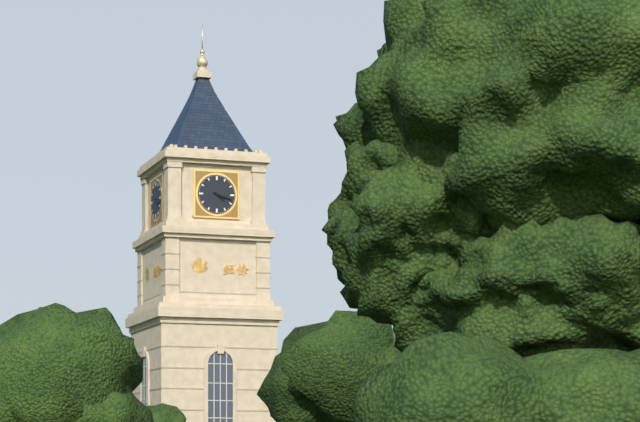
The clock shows 4.18
